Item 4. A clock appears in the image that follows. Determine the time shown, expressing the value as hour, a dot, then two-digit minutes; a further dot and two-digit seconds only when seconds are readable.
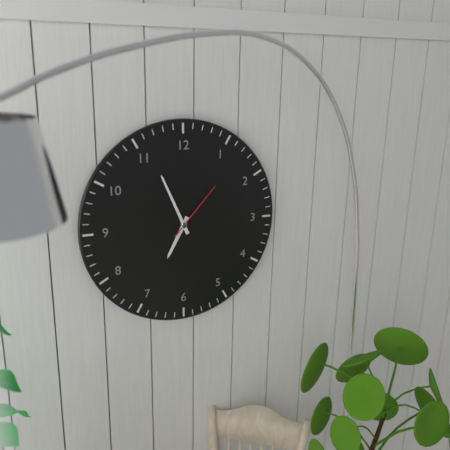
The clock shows 6.56.07
